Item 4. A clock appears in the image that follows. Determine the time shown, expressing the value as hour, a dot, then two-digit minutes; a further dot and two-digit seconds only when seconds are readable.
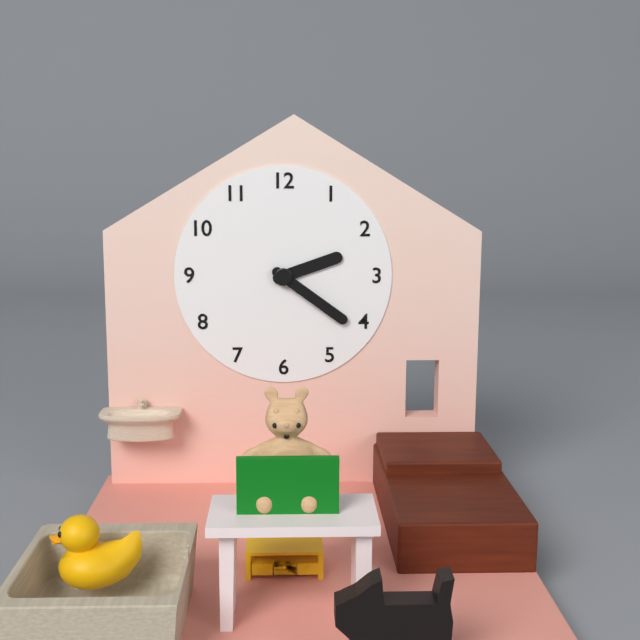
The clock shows 2.21
